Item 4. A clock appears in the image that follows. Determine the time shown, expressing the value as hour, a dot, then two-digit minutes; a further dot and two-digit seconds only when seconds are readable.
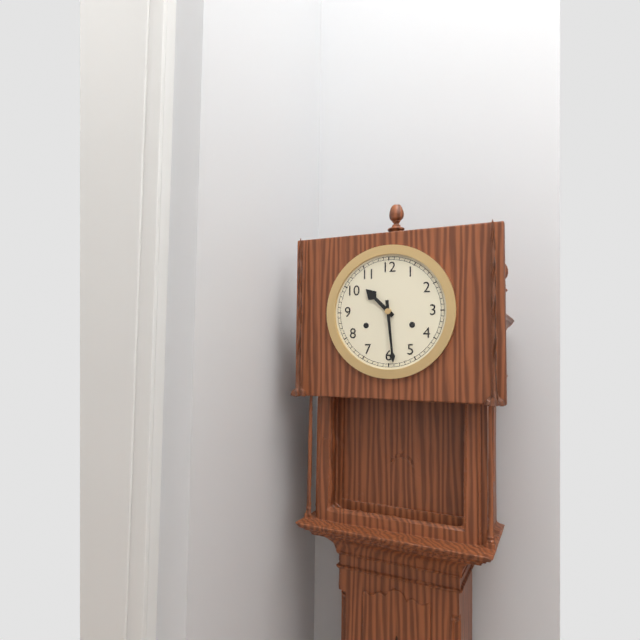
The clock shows 10.29
